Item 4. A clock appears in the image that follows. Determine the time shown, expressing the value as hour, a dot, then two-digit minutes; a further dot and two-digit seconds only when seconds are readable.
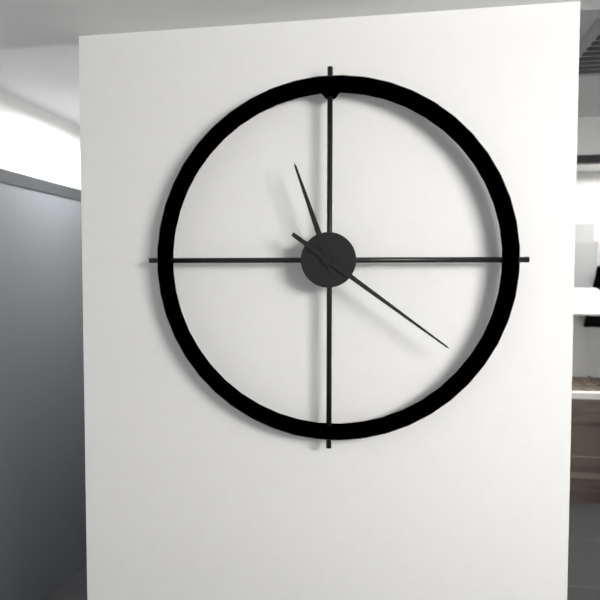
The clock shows 11.21
